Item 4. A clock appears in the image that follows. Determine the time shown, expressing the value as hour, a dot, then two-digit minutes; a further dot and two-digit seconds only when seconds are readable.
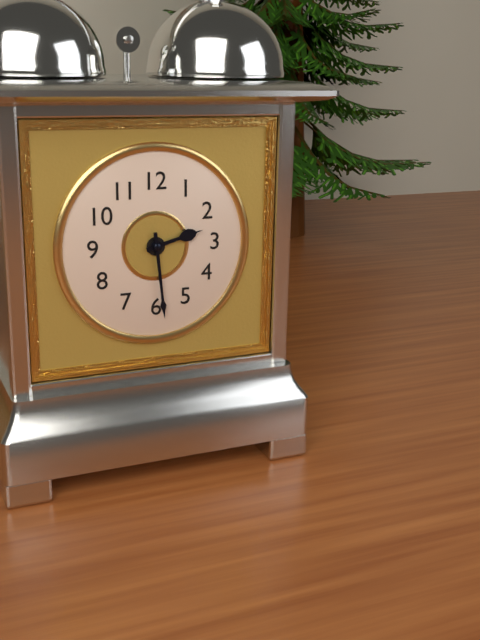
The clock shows 2.29
